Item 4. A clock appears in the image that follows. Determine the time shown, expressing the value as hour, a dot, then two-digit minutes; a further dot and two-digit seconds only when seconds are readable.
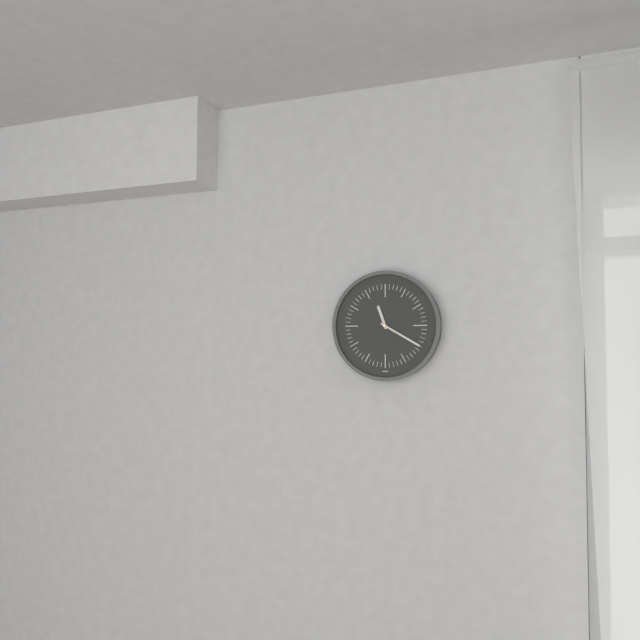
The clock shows 11.20
